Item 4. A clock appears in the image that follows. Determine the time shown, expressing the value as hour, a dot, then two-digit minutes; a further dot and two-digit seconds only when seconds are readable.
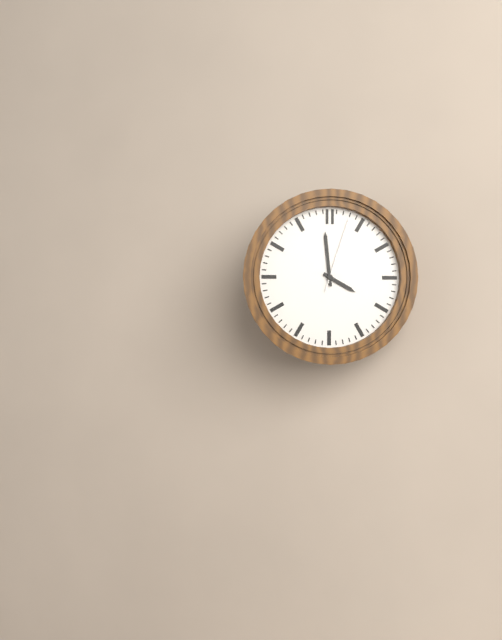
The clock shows 3.59.03
